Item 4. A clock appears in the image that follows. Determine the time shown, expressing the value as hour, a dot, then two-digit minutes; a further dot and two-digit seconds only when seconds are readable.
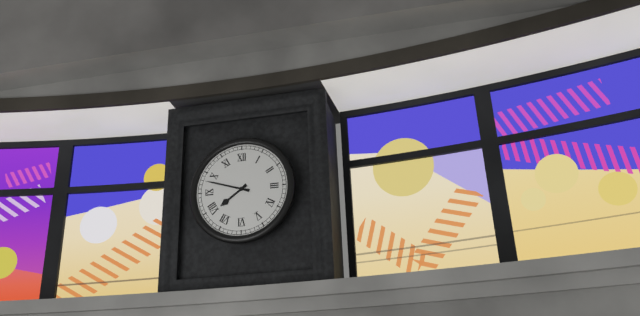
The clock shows 7.48
